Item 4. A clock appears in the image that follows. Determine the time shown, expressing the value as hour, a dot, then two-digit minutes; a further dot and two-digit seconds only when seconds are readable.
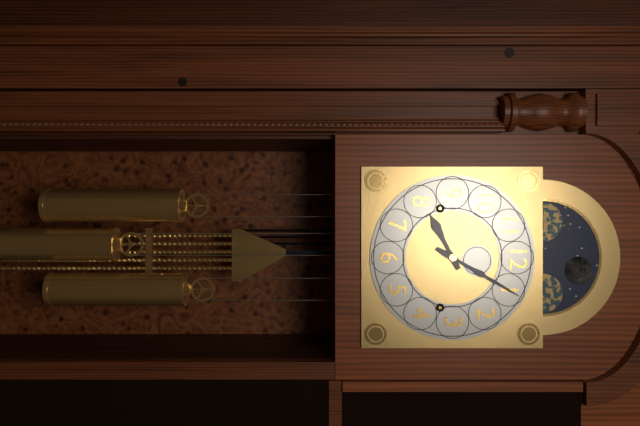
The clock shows 8.05
